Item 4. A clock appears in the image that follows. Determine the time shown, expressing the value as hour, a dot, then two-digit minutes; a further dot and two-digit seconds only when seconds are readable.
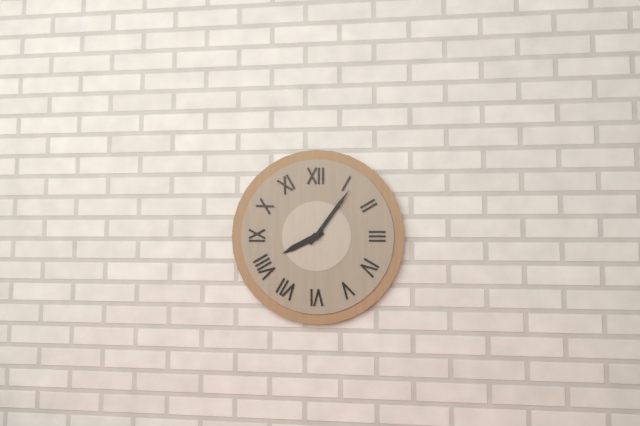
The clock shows 8.06
